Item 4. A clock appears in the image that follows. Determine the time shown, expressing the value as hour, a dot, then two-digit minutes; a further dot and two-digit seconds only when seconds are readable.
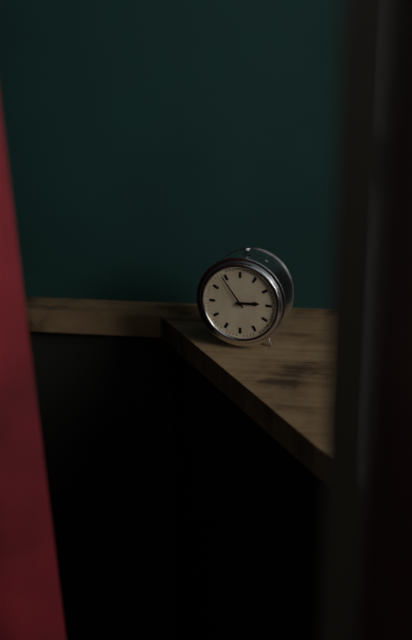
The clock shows 2.54
